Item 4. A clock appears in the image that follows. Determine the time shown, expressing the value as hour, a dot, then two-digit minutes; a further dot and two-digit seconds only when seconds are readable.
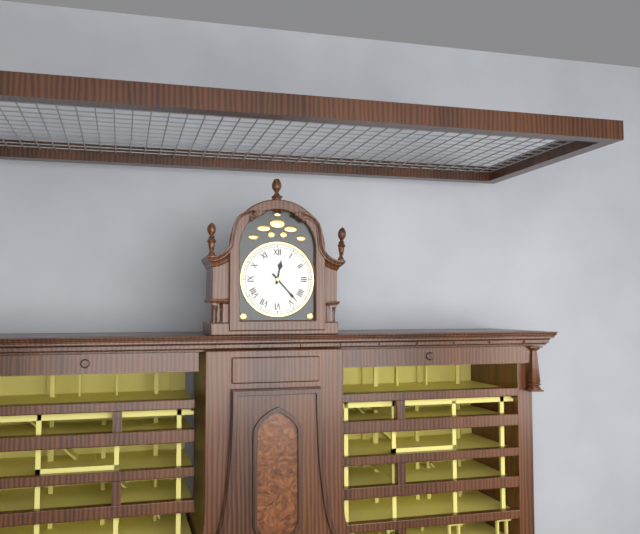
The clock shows 12.23
